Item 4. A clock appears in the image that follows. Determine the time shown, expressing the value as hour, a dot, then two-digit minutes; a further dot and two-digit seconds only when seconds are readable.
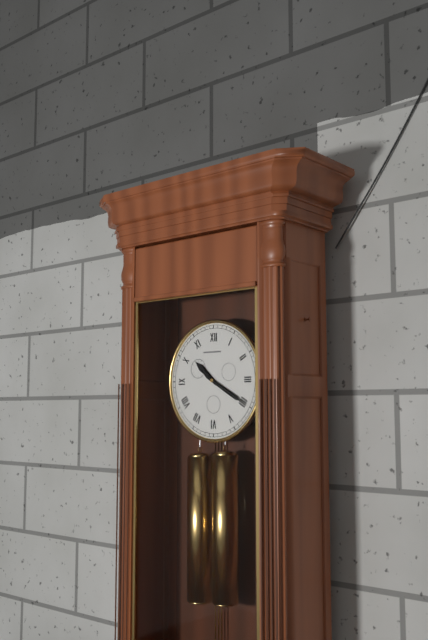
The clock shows 10.20
